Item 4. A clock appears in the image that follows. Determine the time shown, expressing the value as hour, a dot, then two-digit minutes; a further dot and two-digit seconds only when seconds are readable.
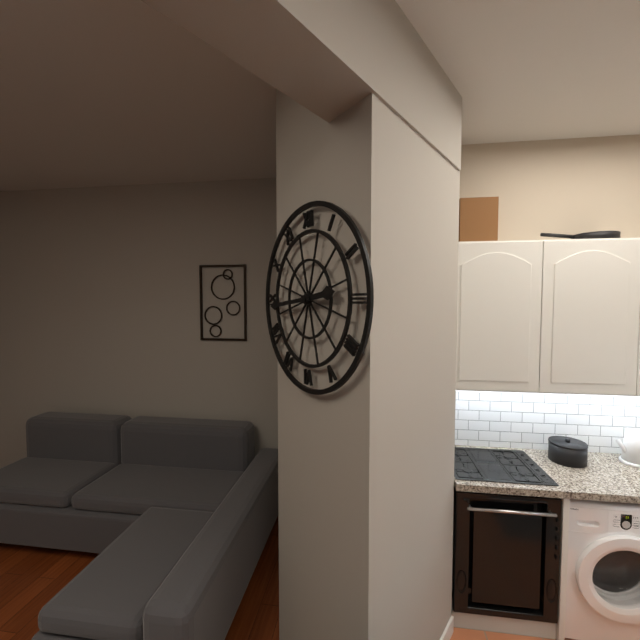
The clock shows 2.44
